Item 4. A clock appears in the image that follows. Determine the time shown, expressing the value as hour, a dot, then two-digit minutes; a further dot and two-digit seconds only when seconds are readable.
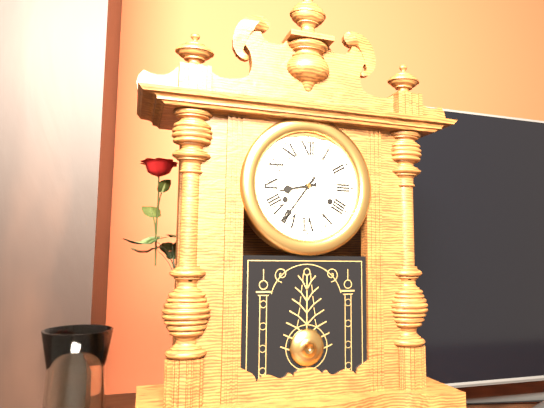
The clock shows 8.36
